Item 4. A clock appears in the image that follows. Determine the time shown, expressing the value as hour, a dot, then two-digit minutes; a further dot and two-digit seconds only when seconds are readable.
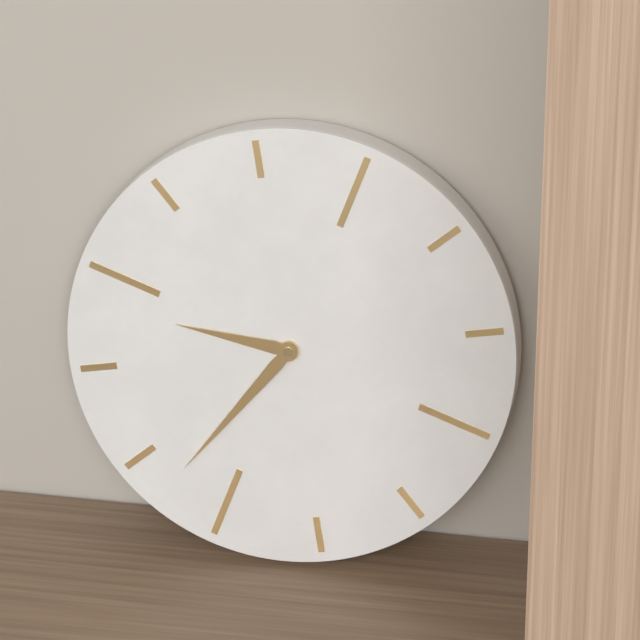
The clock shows 9.38
